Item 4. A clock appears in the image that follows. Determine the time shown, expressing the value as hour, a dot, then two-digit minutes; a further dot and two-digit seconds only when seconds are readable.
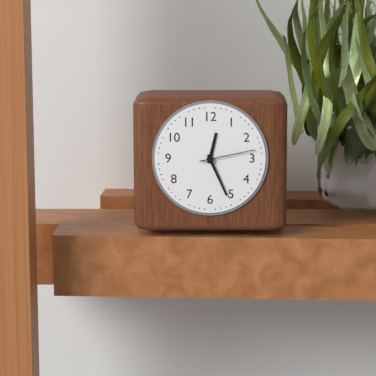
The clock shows 12.26.13
